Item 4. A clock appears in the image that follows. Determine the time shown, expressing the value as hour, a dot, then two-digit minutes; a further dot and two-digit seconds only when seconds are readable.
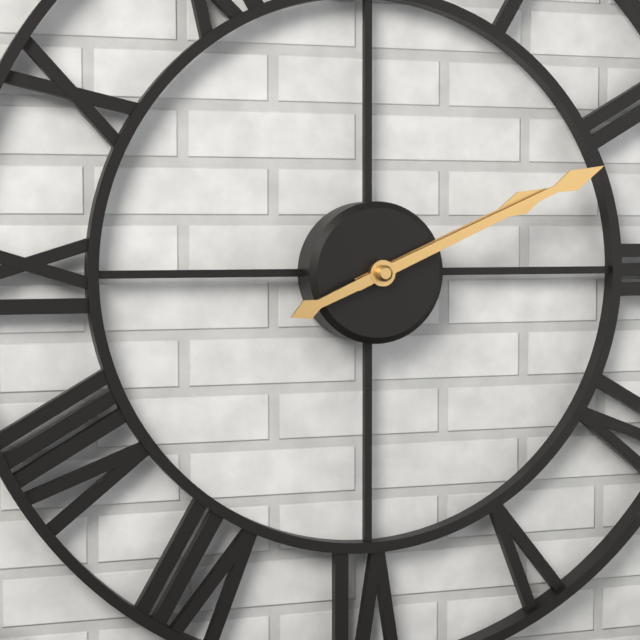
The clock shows 2.11
